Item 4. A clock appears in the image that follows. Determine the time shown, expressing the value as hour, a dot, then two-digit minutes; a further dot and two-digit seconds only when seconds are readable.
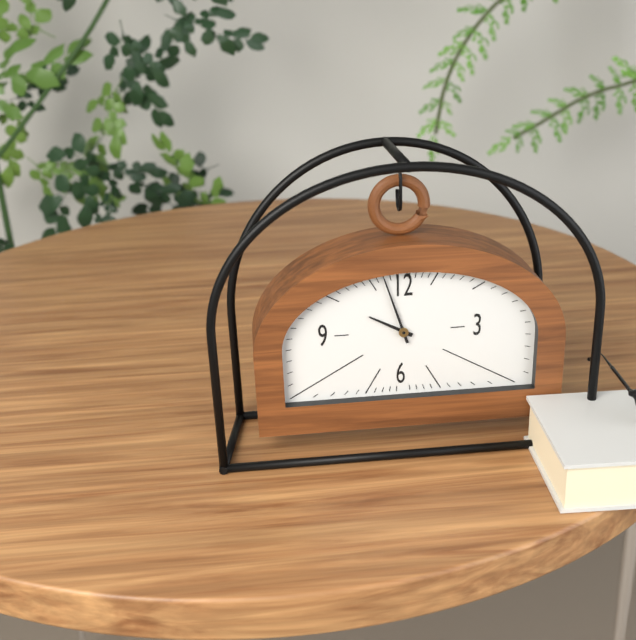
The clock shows 9.57
